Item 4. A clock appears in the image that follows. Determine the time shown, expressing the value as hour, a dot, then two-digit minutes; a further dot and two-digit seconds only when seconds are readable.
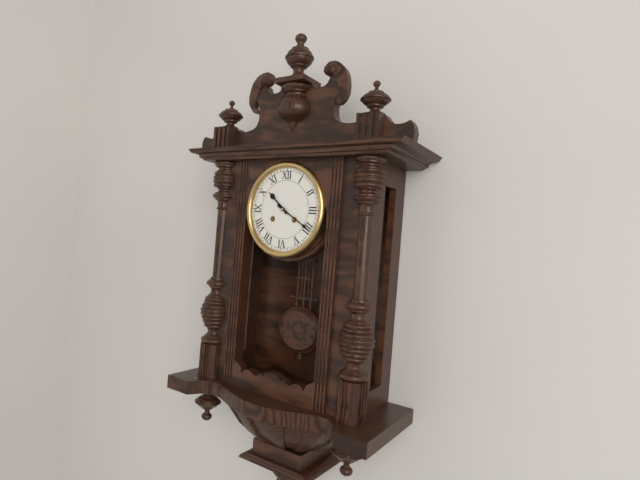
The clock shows 10.20
